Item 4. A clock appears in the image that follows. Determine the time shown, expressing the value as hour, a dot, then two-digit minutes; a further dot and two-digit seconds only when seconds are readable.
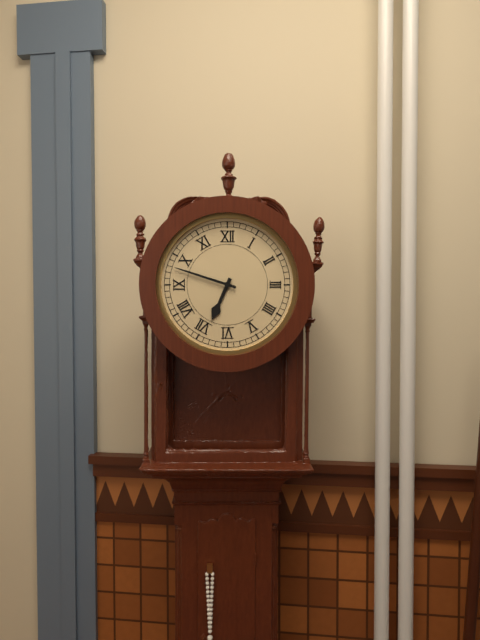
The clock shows 6.48
